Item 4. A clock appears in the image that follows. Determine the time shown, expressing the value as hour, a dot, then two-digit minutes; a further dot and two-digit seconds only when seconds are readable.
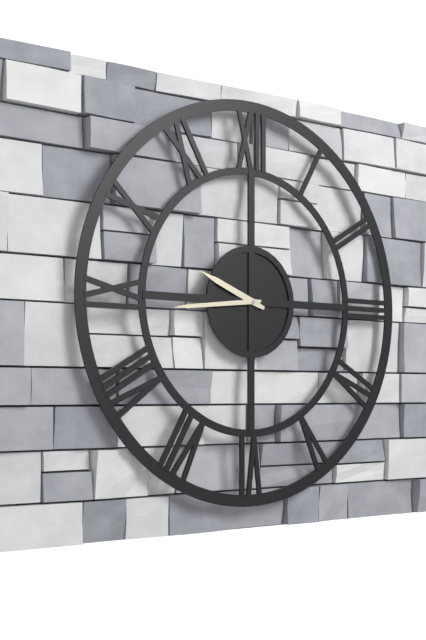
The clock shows 9.44
